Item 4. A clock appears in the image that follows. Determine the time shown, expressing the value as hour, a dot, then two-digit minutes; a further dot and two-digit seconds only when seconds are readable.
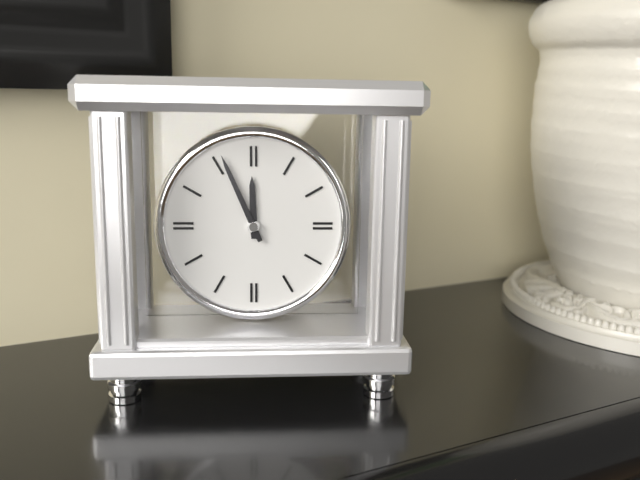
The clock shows 11.56
